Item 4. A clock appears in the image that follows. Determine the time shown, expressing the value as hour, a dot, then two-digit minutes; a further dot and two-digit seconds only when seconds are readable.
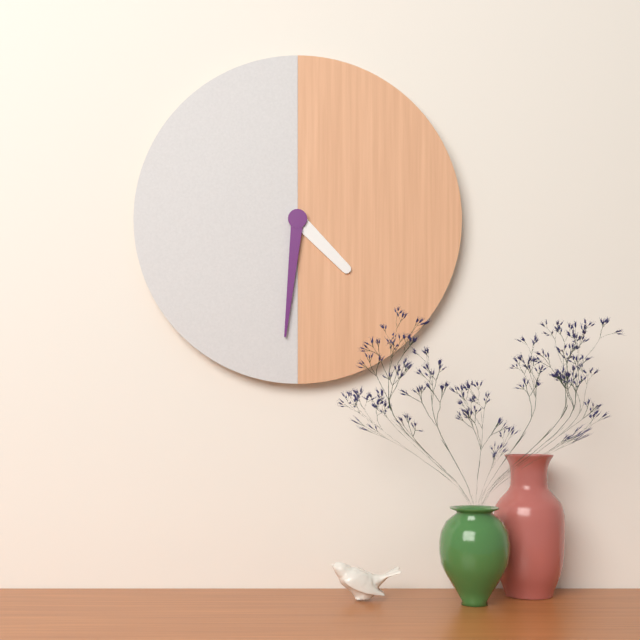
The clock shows 4.31
